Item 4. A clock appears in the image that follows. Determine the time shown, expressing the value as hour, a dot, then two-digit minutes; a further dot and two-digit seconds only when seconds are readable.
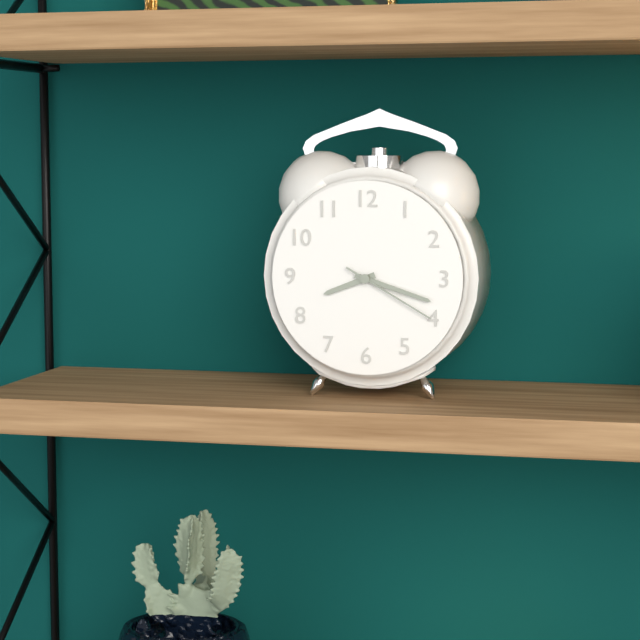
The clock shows 8.18.20
